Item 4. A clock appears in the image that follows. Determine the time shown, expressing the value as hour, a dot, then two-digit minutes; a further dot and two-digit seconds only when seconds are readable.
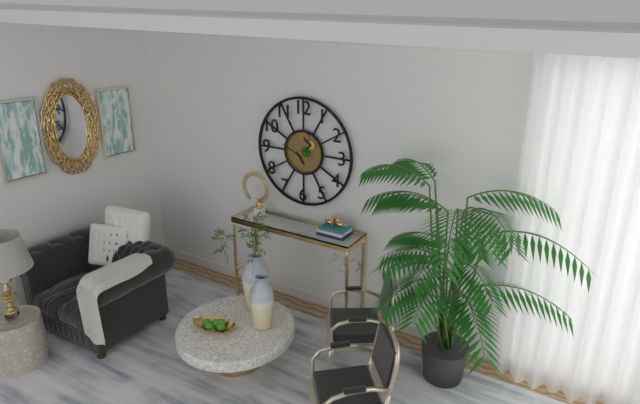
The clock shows 4.49
